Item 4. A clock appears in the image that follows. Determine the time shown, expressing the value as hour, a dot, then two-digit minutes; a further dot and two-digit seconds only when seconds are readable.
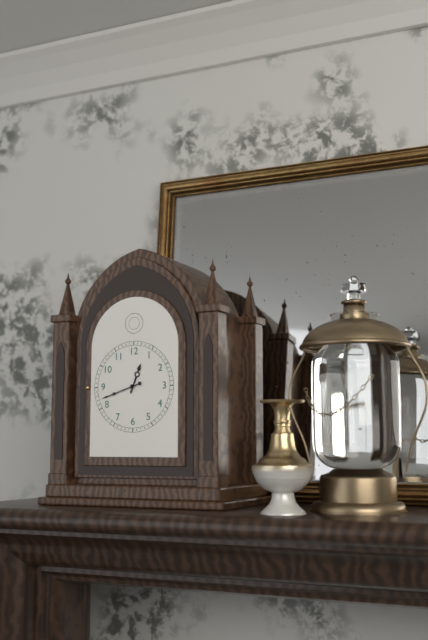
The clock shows 12.42
